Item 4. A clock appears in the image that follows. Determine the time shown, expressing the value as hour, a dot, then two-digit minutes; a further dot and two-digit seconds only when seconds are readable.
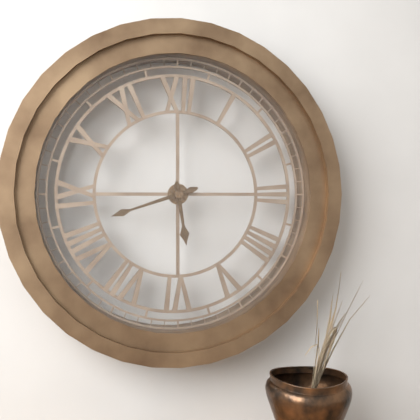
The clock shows 5.42
